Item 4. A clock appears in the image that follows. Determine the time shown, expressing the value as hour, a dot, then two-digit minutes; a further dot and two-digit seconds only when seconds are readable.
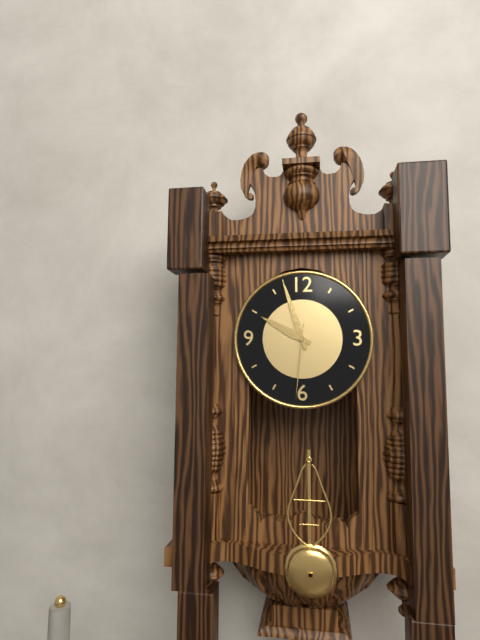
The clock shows 9.57.31
